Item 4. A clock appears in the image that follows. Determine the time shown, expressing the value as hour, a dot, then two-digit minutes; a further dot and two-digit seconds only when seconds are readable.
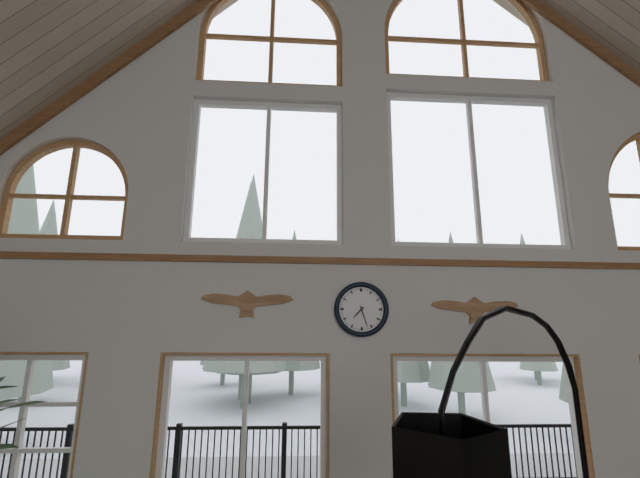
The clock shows 7.27
